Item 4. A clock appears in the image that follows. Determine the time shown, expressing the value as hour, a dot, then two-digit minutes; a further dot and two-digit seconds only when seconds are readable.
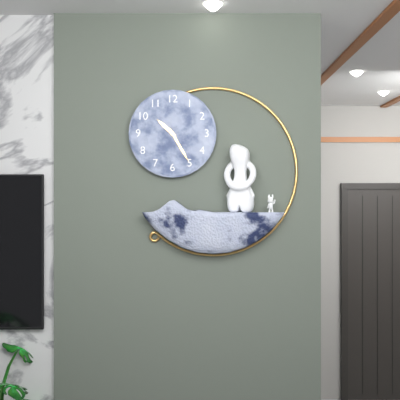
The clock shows 10.25
